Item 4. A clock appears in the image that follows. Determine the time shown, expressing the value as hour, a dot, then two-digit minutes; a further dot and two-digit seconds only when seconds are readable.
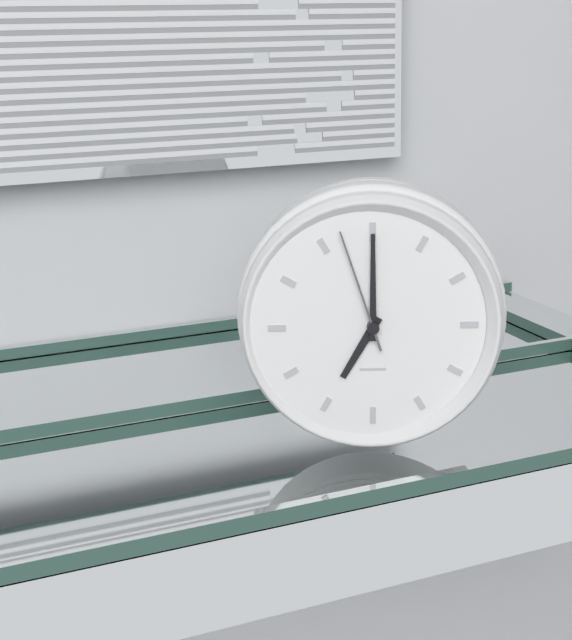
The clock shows 7.00.57
